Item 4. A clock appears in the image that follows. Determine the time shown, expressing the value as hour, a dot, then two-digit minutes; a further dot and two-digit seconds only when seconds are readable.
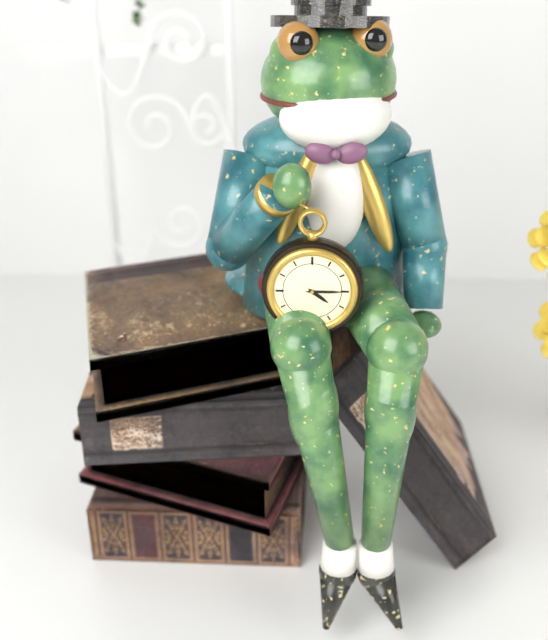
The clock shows 4.15
